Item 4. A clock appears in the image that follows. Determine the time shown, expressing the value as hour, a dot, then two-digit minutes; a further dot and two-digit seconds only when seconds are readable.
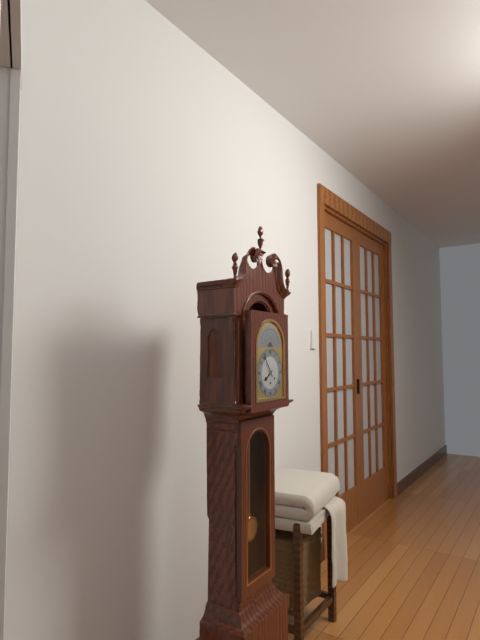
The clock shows 7.54
